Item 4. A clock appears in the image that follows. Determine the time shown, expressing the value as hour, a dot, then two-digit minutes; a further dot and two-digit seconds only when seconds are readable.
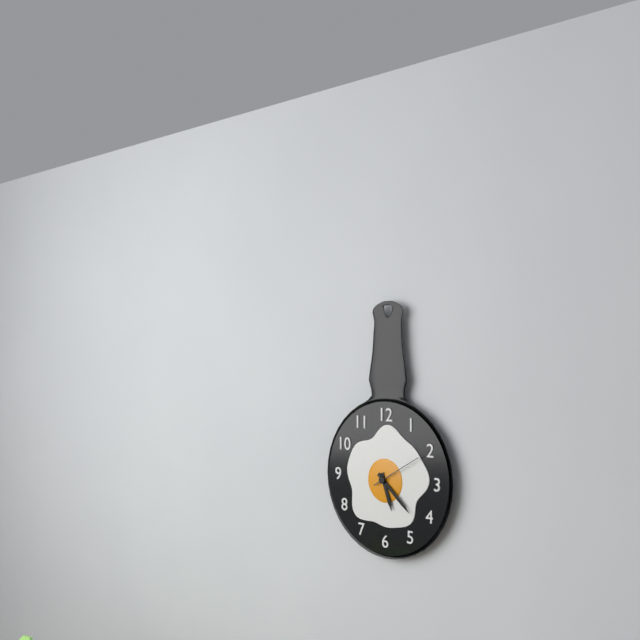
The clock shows 5.22.10
